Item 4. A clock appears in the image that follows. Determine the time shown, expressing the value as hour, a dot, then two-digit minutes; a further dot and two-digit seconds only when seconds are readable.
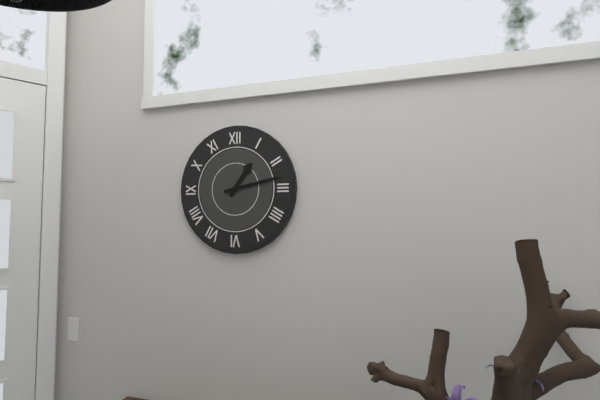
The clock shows 1.13
